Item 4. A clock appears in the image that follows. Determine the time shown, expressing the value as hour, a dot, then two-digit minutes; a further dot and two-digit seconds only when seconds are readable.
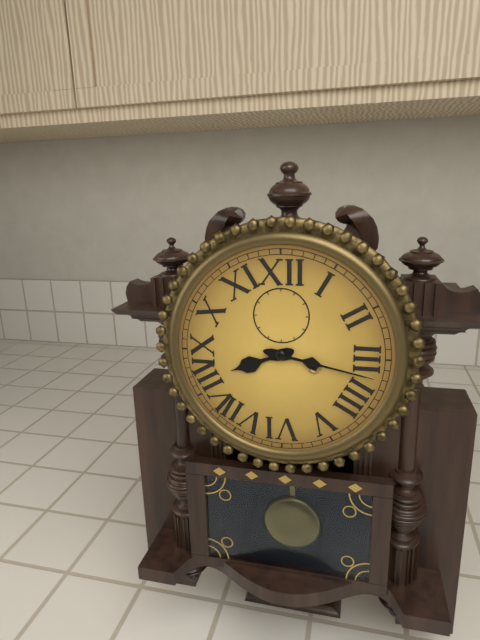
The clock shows 8.17
